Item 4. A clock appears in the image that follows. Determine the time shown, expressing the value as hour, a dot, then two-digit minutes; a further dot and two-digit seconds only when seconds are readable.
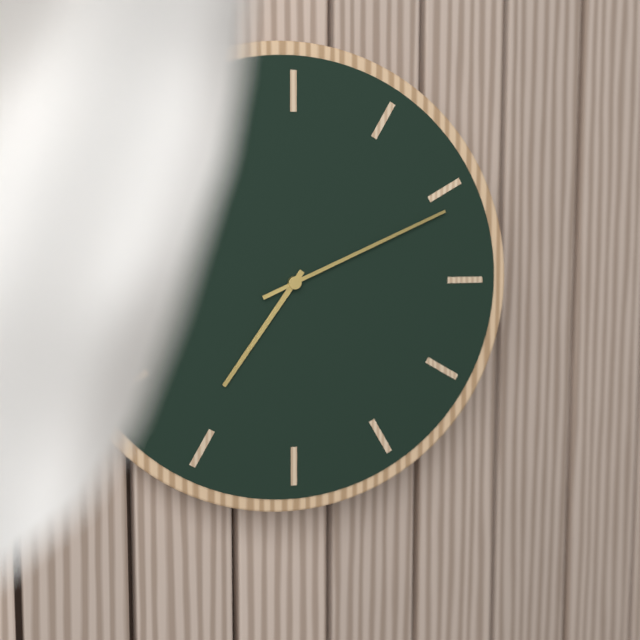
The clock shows 7.11
